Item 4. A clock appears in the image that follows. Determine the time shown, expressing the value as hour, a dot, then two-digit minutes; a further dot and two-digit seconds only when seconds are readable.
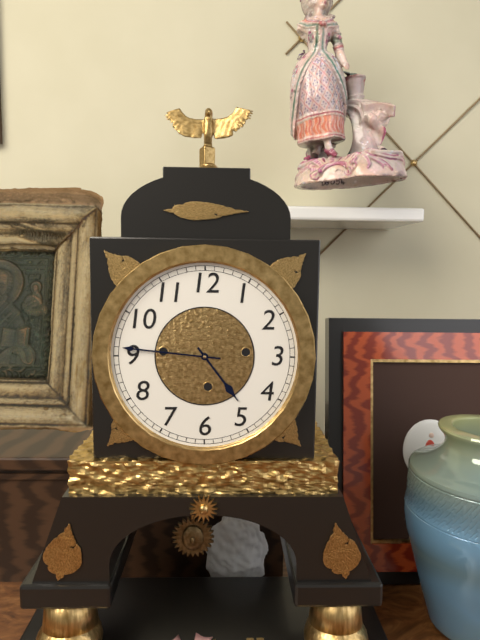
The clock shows 4.46
